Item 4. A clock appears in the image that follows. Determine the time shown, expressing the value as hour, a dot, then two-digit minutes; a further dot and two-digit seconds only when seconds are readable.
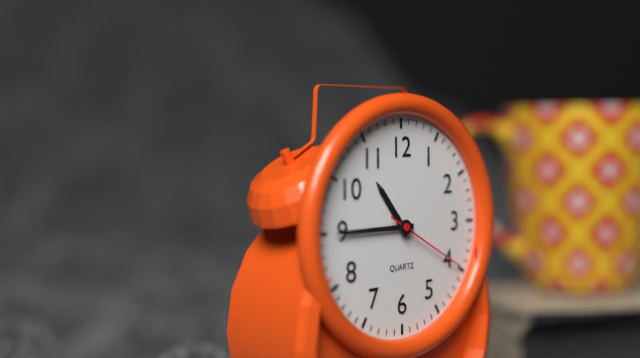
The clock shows 10.45.20
